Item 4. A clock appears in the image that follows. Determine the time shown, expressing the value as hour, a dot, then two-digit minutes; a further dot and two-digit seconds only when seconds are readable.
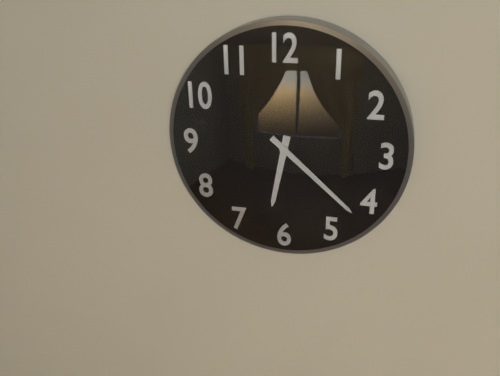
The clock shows 6.22
